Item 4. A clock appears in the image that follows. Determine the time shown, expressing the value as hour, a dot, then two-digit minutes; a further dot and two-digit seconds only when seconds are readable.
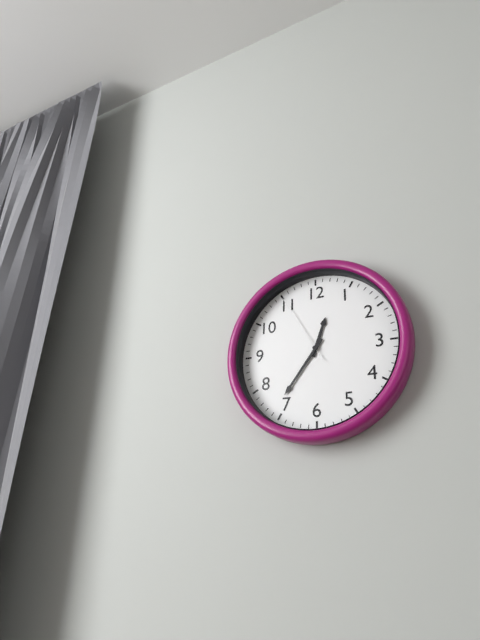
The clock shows 12.36.55
